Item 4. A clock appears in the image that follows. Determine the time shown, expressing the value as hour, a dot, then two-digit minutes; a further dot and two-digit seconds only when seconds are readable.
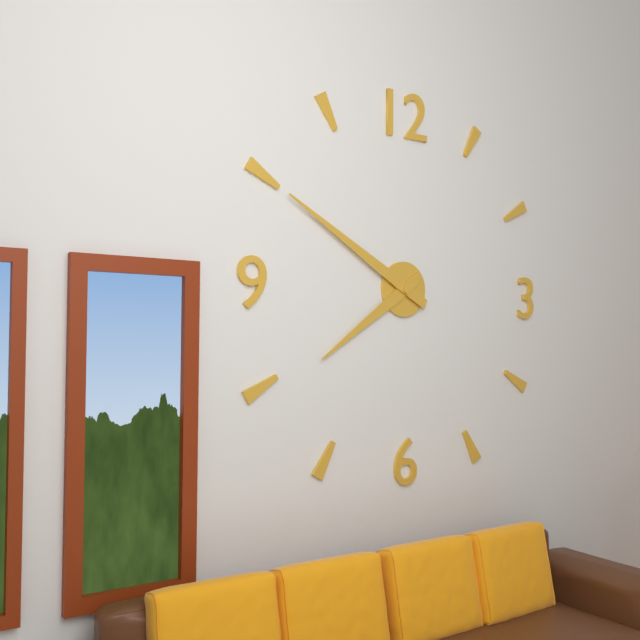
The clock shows 7.50
